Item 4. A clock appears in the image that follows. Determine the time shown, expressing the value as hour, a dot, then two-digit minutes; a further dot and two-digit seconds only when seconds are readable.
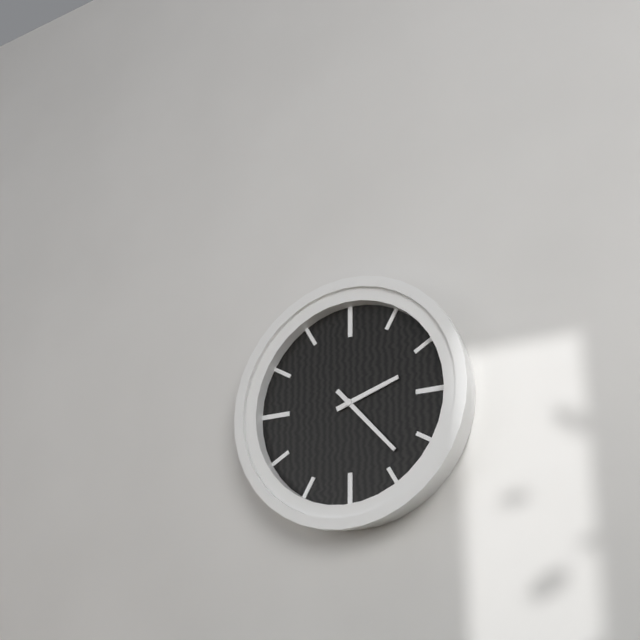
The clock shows 2.23
